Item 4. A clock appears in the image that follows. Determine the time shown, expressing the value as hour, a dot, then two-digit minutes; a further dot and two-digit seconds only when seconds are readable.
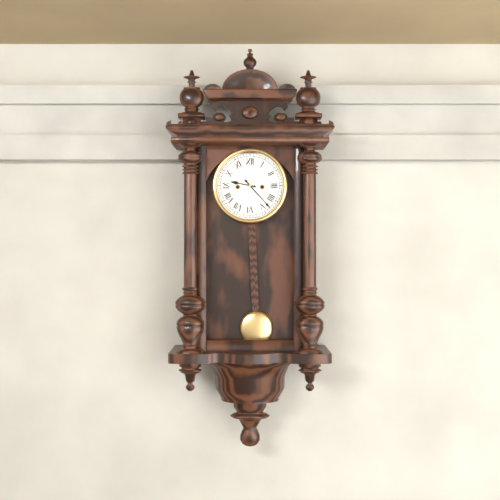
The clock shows 9.23
